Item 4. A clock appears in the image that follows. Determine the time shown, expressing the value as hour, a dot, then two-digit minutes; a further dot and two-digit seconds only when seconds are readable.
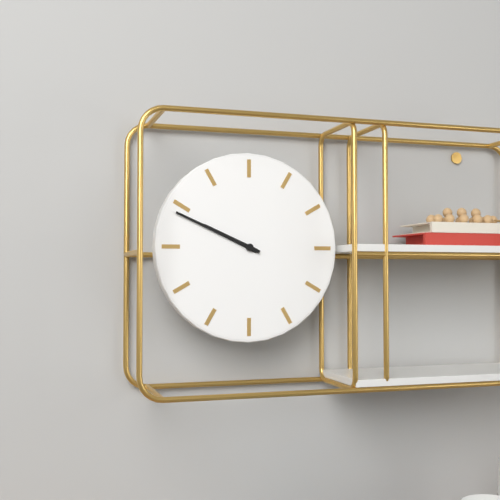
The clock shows 9.49
